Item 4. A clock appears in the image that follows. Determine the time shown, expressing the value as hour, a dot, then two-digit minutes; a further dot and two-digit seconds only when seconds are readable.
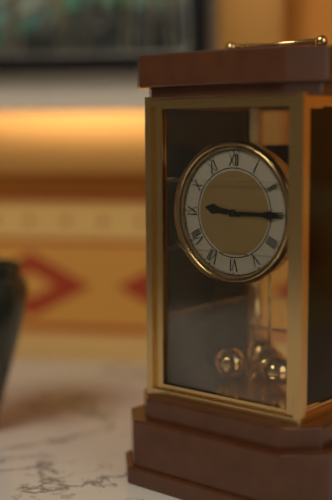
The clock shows 9.15
